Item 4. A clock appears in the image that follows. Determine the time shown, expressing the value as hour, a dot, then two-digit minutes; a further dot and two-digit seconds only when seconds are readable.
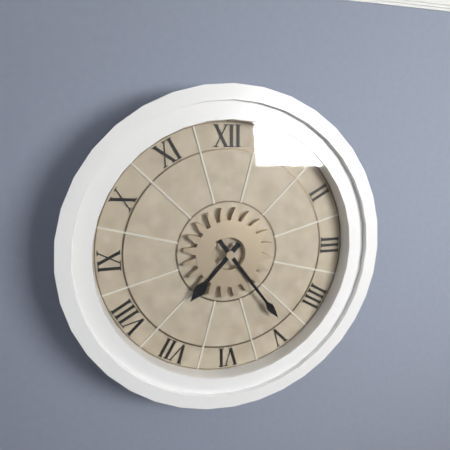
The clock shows 7.24
